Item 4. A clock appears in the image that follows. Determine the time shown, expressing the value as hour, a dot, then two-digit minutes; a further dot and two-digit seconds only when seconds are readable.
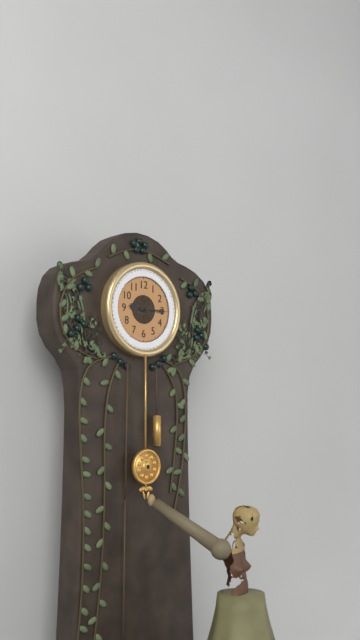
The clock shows 9.15
